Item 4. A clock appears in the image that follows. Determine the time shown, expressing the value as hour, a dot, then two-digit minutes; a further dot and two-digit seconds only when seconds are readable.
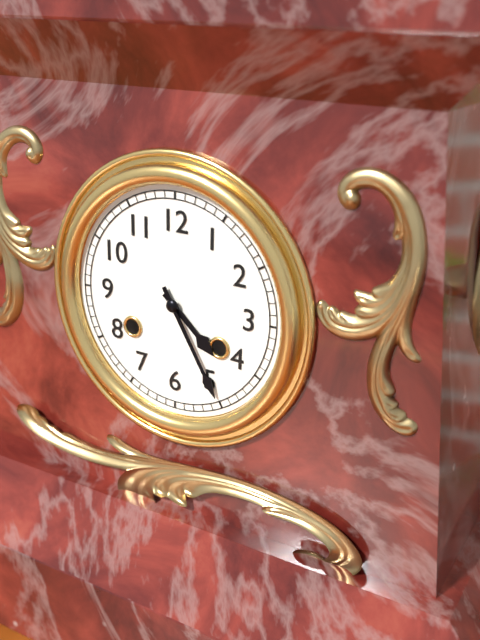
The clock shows 4.25
